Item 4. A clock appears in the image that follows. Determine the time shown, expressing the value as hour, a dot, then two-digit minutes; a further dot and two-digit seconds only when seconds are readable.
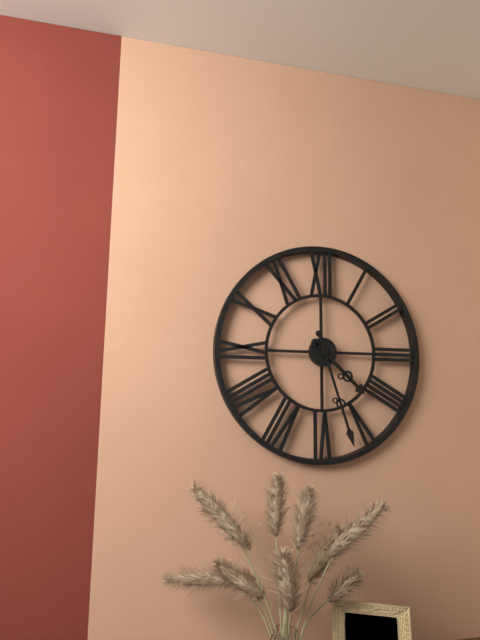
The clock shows 4.27
